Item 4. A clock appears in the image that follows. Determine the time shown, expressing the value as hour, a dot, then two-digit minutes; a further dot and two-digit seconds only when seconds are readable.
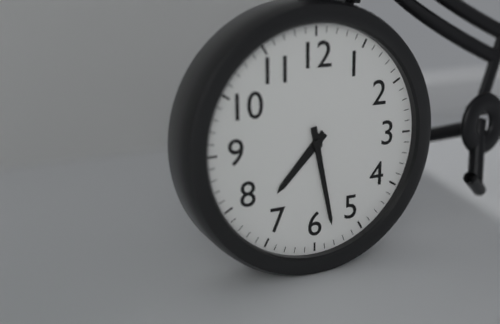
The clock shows 7.28
